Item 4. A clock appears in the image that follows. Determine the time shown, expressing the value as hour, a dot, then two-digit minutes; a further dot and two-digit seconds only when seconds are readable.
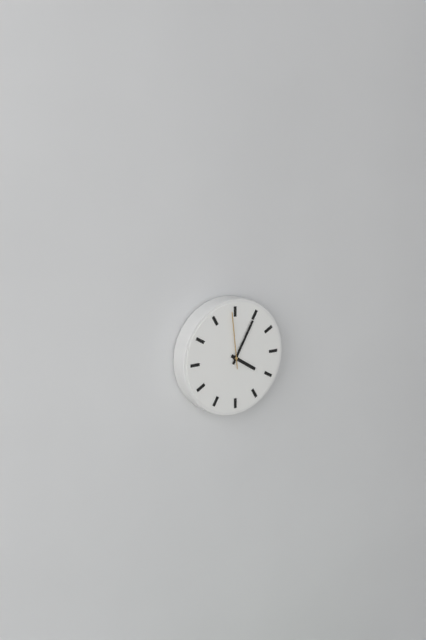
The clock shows 4.05.59
